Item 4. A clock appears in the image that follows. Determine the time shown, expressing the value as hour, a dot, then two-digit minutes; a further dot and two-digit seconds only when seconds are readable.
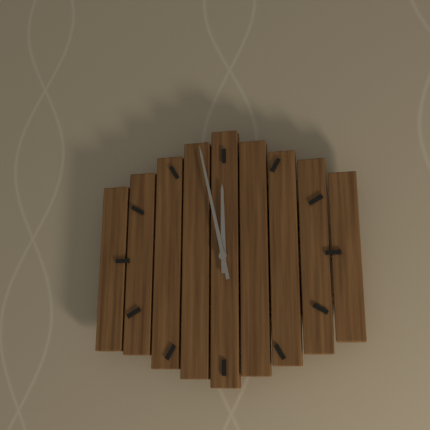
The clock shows 11.58
